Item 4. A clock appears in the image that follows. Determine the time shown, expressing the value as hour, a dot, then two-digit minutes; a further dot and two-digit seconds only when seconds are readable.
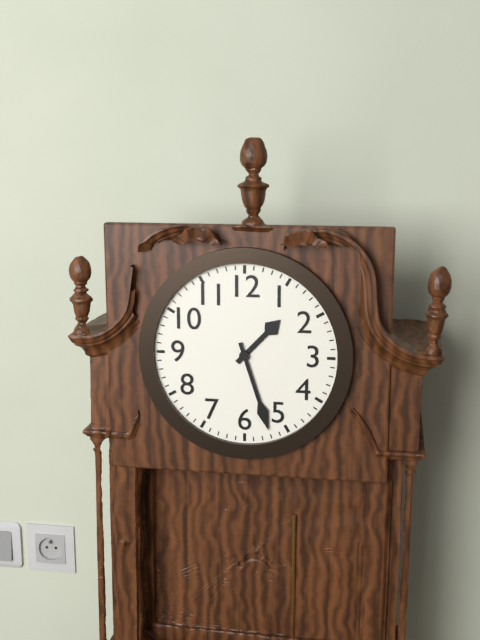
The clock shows 1.27
